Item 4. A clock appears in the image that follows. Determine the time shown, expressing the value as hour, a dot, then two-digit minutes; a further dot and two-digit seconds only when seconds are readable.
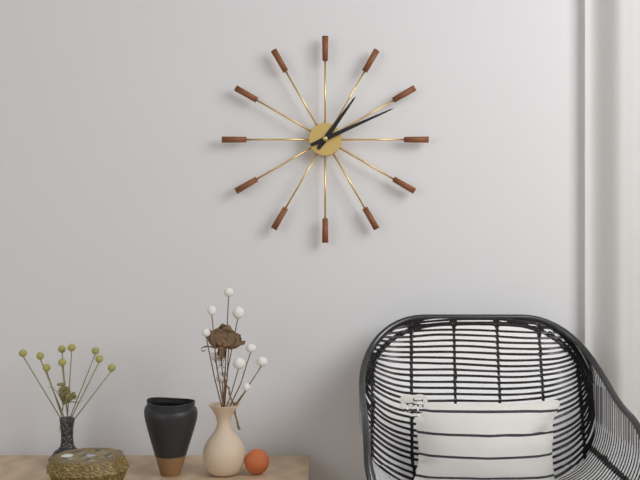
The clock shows 1.11
